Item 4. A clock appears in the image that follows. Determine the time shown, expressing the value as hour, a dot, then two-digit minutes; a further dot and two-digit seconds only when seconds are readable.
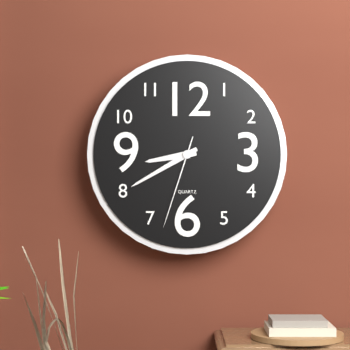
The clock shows 8.40.33
